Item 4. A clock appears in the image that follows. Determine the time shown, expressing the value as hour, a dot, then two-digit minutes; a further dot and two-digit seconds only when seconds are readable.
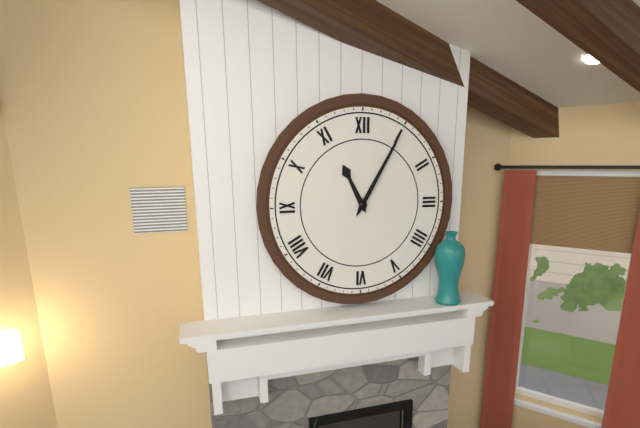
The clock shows 11.05
